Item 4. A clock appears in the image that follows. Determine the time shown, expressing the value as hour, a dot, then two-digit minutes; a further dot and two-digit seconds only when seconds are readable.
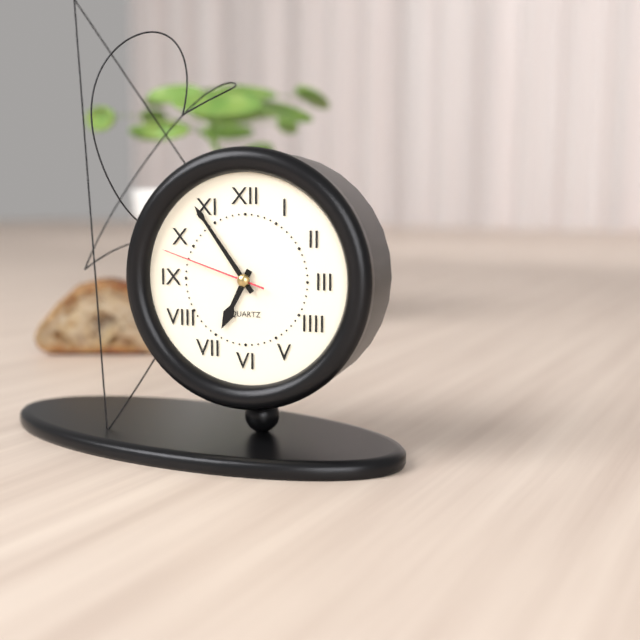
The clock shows 6.54.48
